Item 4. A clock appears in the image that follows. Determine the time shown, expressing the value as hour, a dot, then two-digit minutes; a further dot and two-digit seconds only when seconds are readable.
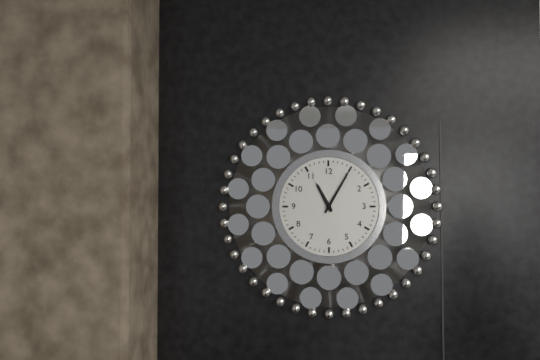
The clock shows 11.05
